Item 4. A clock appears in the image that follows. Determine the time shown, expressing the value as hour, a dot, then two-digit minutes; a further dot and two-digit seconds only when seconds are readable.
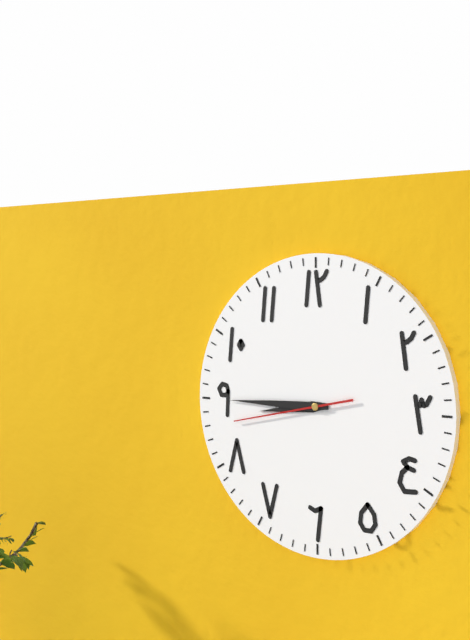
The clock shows 8.45.43
